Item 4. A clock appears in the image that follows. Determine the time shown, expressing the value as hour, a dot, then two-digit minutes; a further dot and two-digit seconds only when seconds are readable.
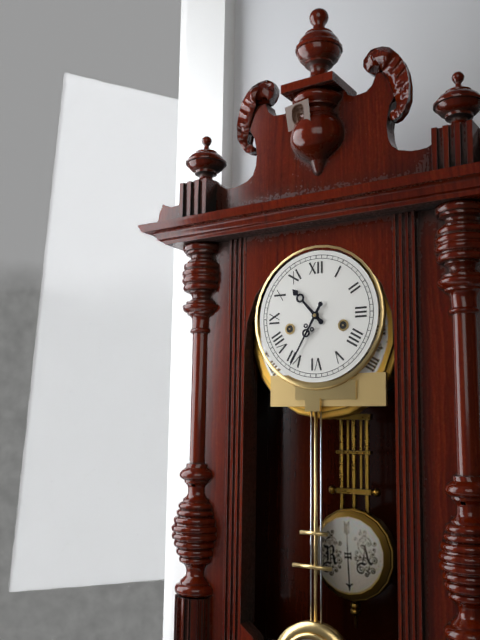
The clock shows 10.35
